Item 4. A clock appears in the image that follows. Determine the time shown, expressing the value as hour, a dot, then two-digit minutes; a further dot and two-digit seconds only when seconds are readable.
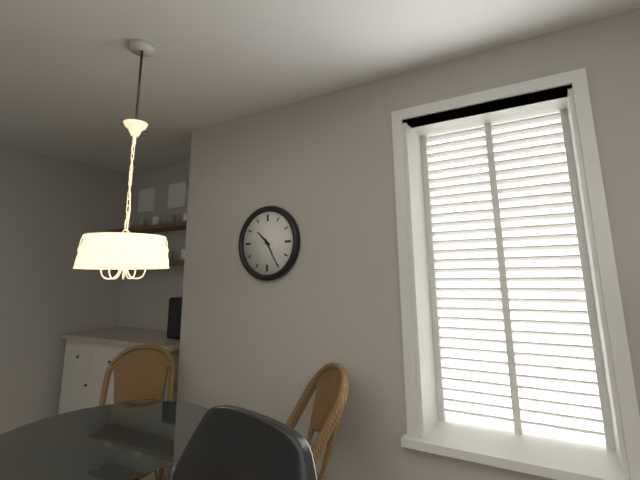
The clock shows 10.25
